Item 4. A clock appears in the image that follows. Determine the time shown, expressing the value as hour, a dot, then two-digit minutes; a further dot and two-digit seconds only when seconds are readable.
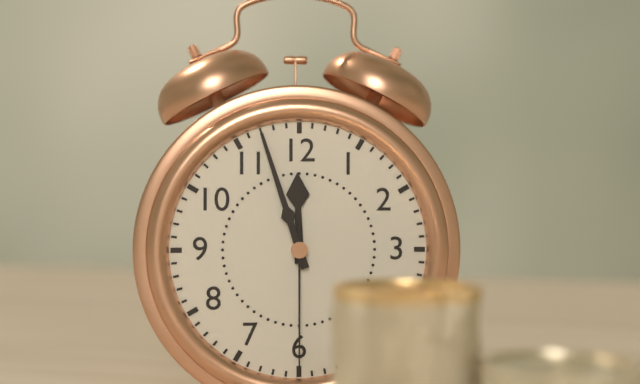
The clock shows 11.57.30
